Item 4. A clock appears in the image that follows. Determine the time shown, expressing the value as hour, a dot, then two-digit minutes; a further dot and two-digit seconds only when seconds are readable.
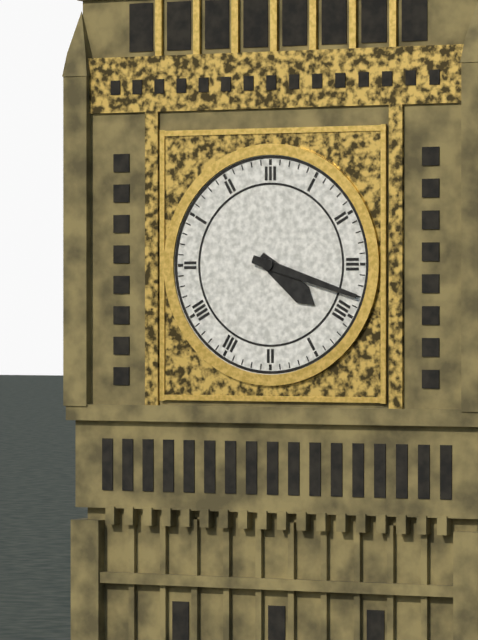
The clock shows 4.18
